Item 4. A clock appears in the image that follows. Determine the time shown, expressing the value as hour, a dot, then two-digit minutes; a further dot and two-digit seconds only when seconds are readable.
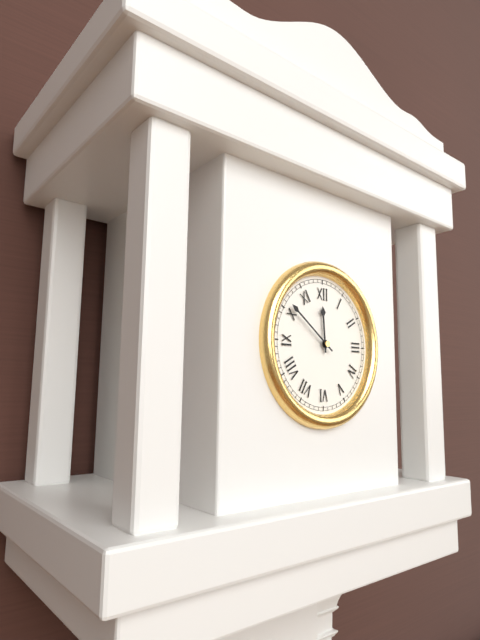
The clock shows 11.51
